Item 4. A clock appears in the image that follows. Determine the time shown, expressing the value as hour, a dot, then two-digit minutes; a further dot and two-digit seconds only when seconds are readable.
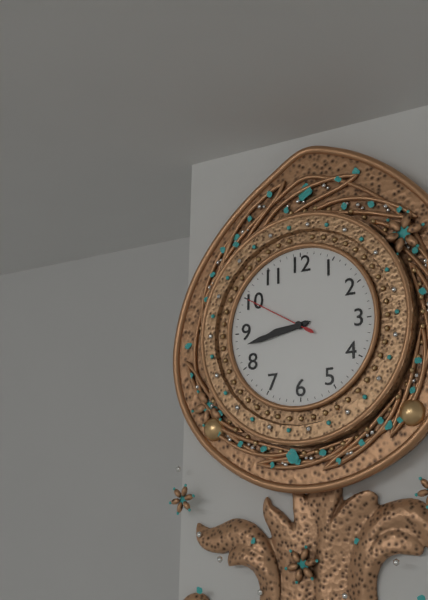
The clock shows 8.43.50
